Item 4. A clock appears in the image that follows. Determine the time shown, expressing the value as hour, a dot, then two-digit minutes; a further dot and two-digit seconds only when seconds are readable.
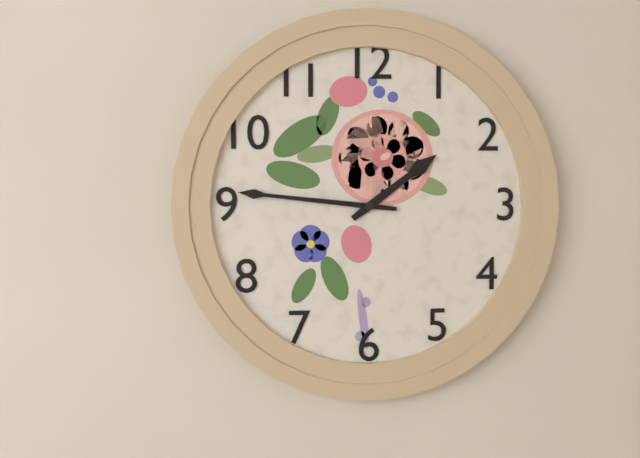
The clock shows 1.46
